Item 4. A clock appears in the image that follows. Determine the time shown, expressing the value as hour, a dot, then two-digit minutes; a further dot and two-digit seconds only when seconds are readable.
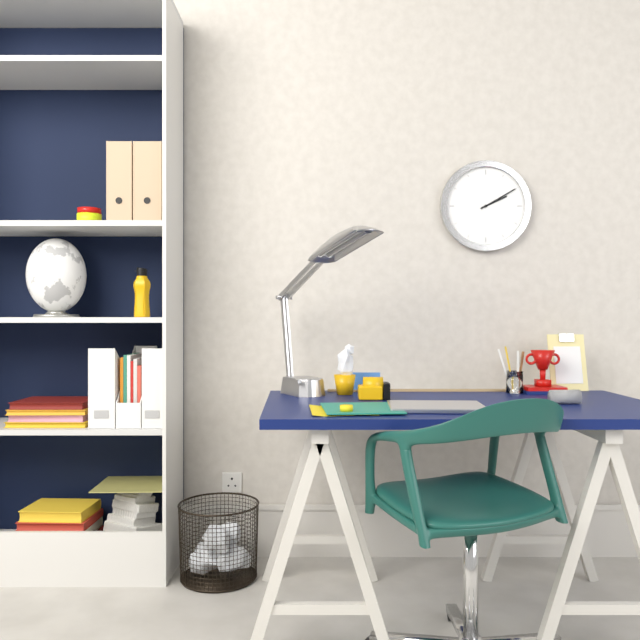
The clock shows 2.10
